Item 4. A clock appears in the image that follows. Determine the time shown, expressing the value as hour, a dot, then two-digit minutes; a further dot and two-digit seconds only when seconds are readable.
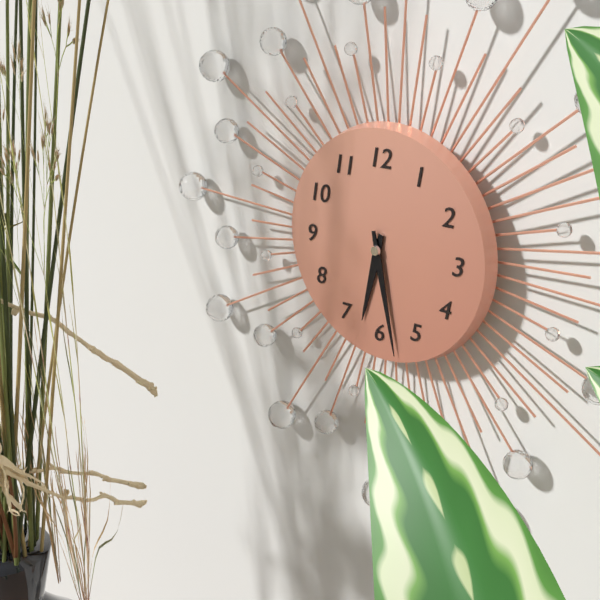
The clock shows 6.28
